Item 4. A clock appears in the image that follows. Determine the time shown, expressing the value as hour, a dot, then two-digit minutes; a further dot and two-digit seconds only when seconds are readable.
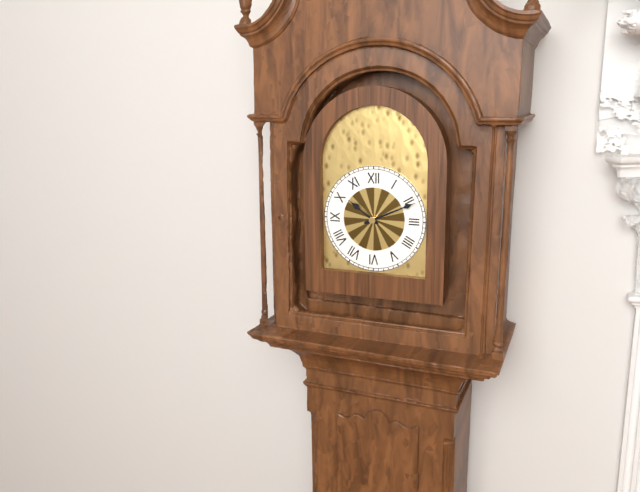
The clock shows 10.11
